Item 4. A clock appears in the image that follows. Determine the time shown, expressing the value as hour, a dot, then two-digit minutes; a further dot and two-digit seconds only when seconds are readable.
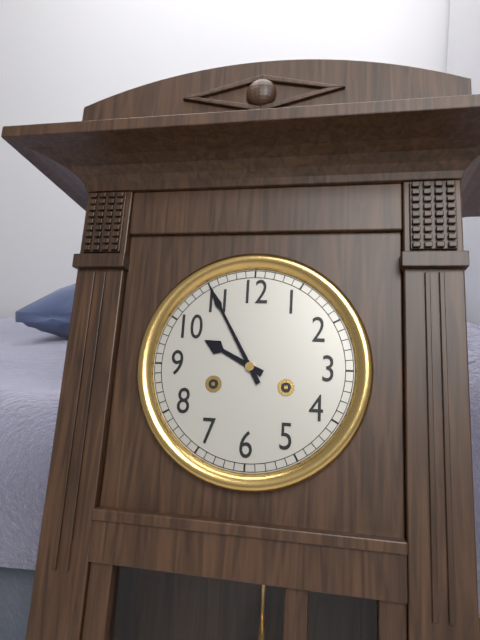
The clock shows 9.55
